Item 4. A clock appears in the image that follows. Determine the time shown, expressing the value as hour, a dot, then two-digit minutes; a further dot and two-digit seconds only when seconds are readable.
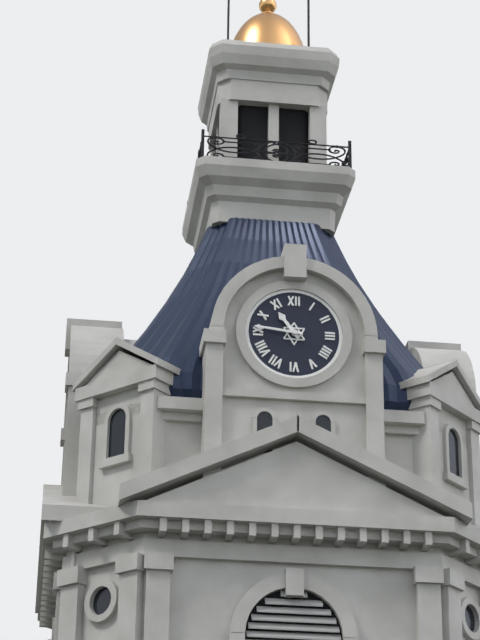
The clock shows 10.46
